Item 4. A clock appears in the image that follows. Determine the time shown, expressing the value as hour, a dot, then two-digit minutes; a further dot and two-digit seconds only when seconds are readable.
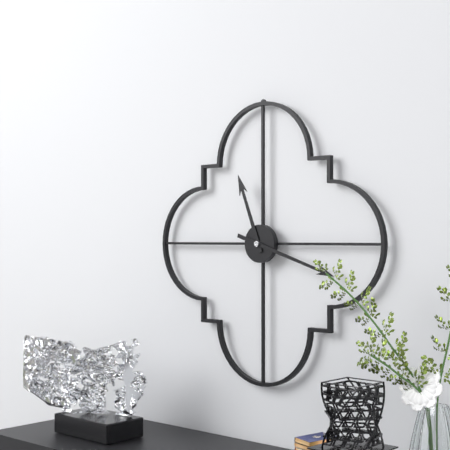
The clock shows 11.18
